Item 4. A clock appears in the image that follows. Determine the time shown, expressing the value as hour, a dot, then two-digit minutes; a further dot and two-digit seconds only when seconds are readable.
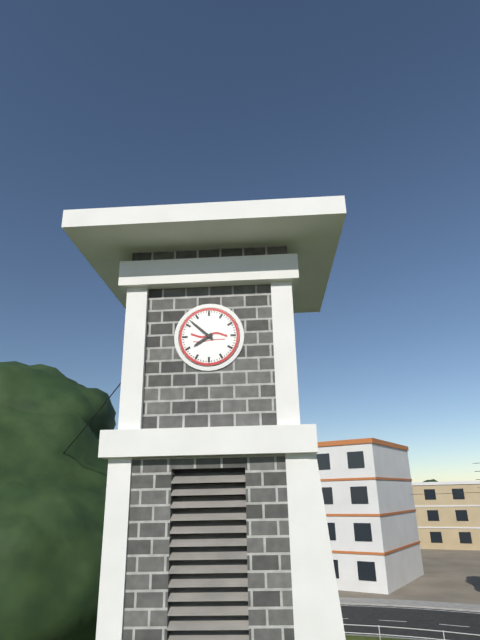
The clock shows 7.52
